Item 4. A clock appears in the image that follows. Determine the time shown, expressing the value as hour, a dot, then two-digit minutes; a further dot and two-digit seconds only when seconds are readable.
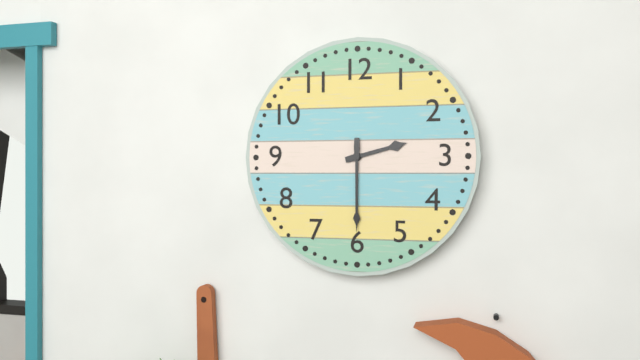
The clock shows 2.30
